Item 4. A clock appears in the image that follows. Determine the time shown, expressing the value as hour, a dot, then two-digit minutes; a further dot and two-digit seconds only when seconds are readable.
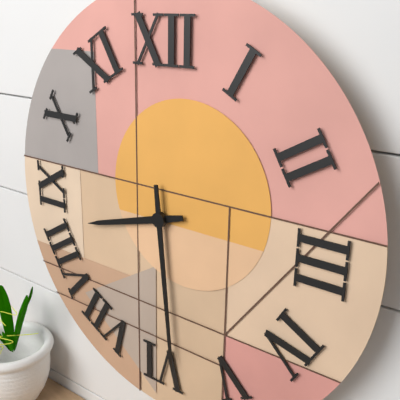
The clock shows 8.29
